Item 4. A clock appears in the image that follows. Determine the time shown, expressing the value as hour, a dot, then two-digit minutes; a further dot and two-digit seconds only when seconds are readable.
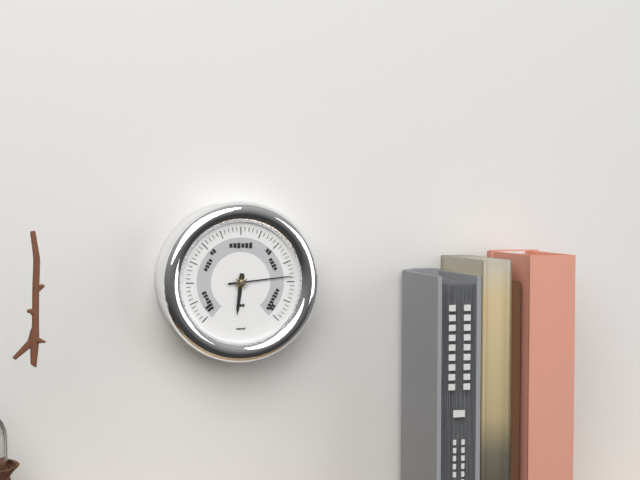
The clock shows 6.14
